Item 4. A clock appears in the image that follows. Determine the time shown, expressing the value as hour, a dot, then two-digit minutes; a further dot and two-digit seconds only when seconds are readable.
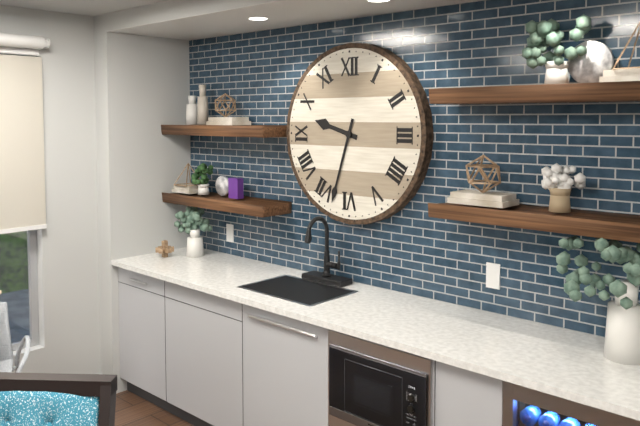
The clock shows 9.33
